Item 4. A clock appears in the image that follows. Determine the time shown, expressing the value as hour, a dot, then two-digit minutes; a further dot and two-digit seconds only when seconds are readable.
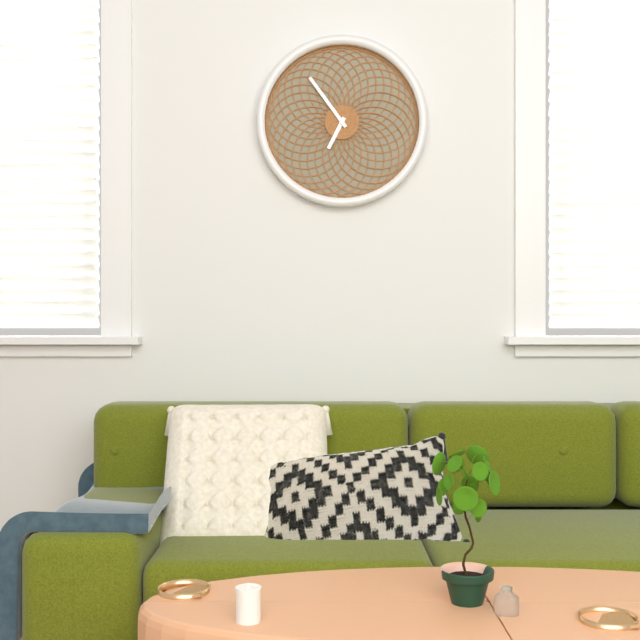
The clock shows 6.54
